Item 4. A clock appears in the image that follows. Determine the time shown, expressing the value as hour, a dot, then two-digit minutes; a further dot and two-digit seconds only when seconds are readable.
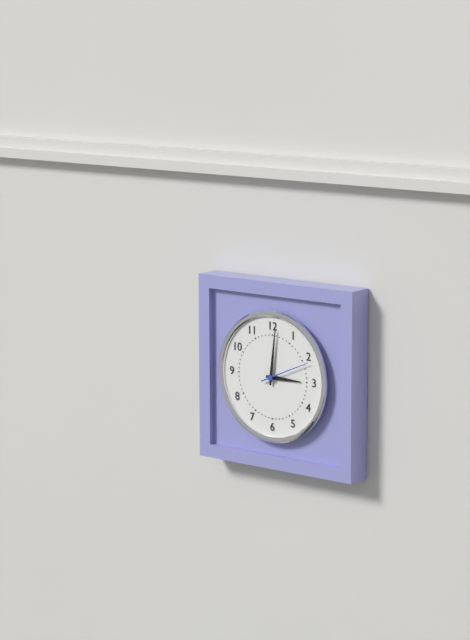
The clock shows 3.01.11
